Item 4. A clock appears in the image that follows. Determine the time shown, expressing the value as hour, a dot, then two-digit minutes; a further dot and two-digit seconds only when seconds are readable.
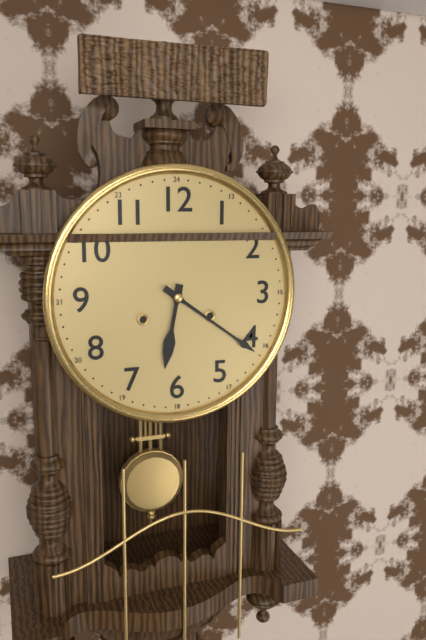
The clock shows 6.21
